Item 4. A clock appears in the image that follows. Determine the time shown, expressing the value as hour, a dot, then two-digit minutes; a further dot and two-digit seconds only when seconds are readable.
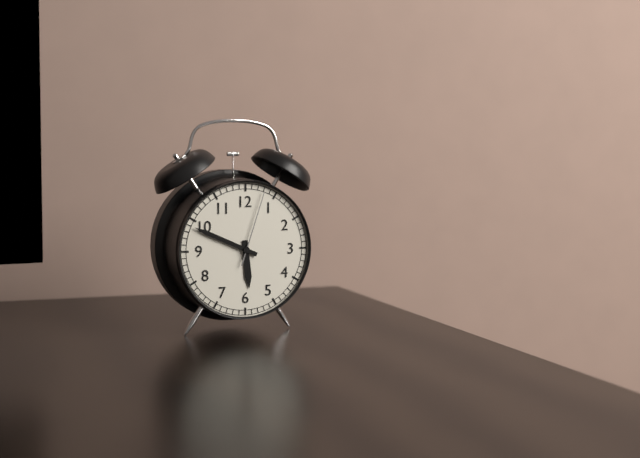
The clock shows 5.49.03
